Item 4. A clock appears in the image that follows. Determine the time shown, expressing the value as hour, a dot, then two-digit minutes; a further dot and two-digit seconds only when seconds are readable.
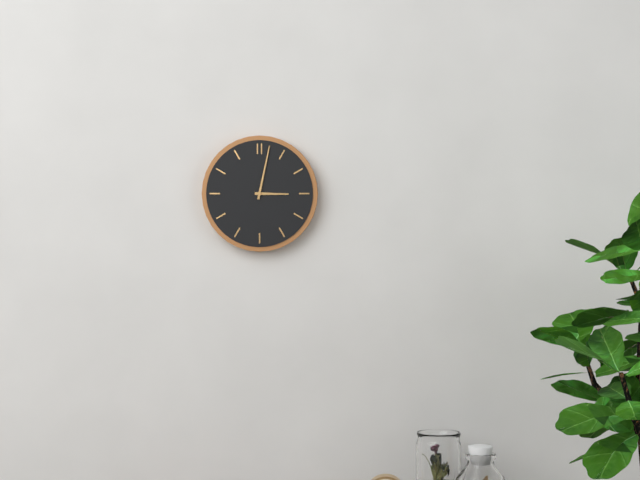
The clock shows 3.02
